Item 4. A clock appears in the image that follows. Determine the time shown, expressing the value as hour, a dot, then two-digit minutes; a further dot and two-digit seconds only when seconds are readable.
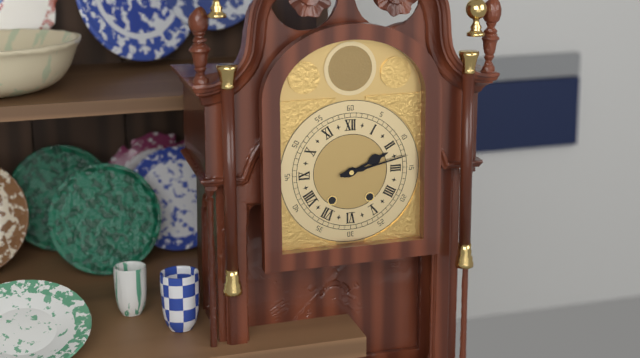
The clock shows 2.13
